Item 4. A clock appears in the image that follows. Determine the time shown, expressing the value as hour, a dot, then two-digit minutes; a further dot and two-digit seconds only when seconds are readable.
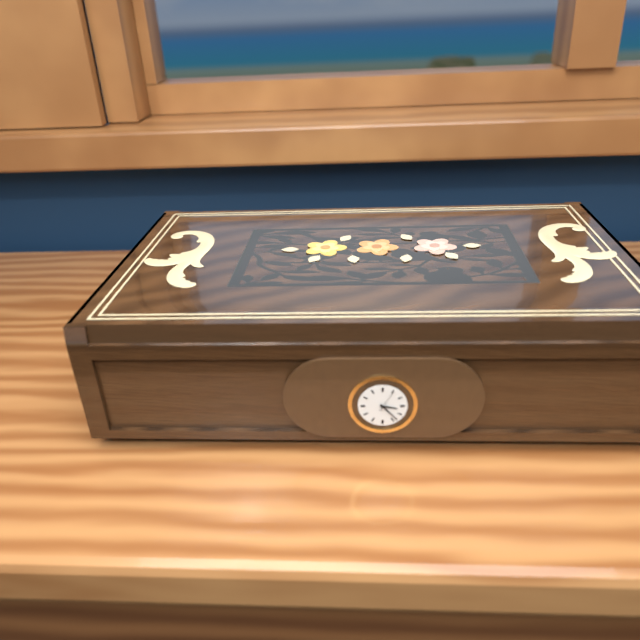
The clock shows 3.23.05
